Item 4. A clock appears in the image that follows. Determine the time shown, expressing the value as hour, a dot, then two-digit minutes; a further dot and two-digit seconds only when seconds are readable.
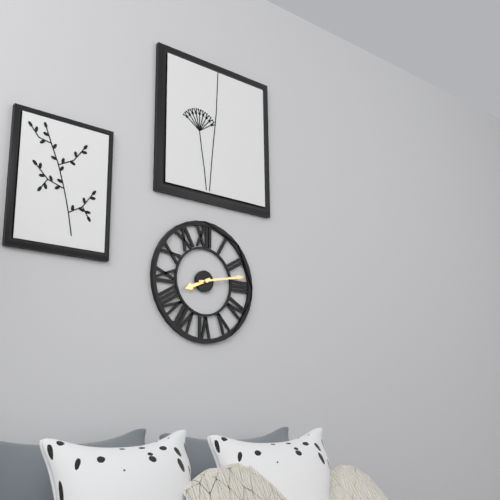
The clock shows 8.13
